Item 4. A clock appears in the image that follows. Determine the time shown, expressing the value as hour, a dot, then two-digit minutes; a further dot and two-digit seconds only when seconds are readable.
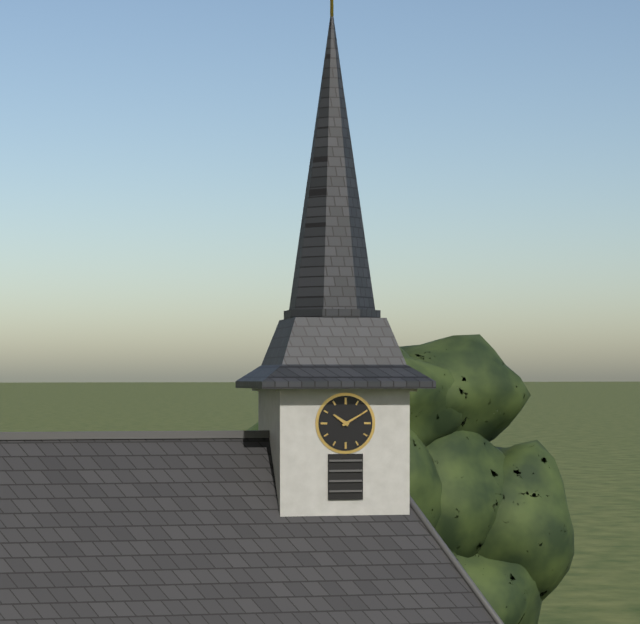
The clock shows 10.10
